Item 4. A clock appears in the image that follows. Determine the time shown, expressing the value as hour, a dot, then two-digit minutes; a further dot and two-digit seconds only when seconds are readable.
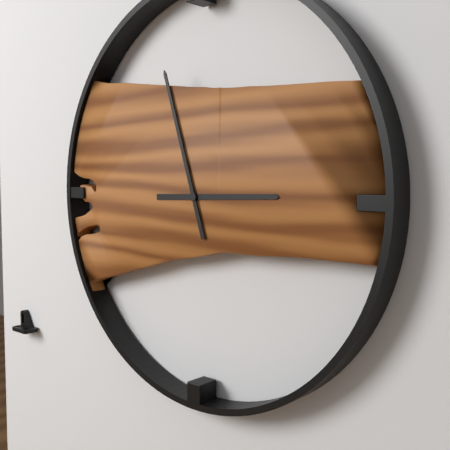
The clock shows 2.57
